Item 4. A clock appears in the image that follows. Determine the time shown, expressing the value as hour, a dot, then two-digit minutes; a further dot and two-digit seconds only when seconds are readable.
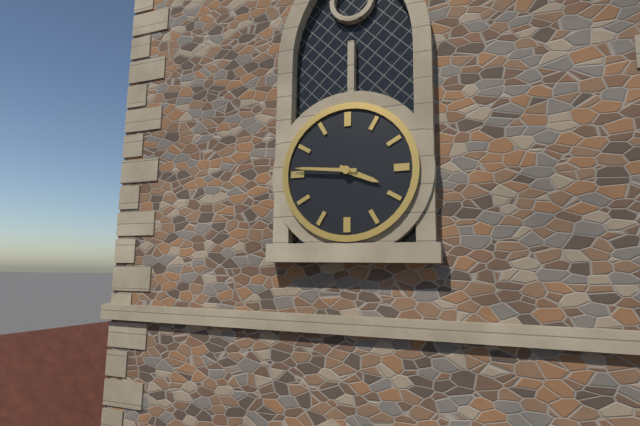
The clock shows 3.46
